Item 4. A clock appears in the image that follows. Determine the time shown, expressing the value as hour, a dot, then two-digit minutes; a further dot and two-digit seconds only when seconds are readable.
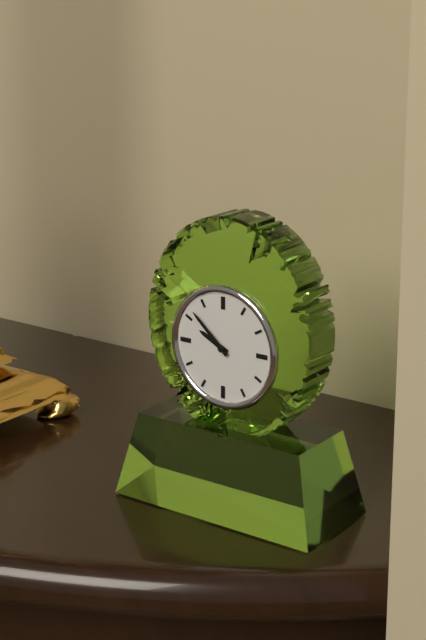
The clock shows 9.52
